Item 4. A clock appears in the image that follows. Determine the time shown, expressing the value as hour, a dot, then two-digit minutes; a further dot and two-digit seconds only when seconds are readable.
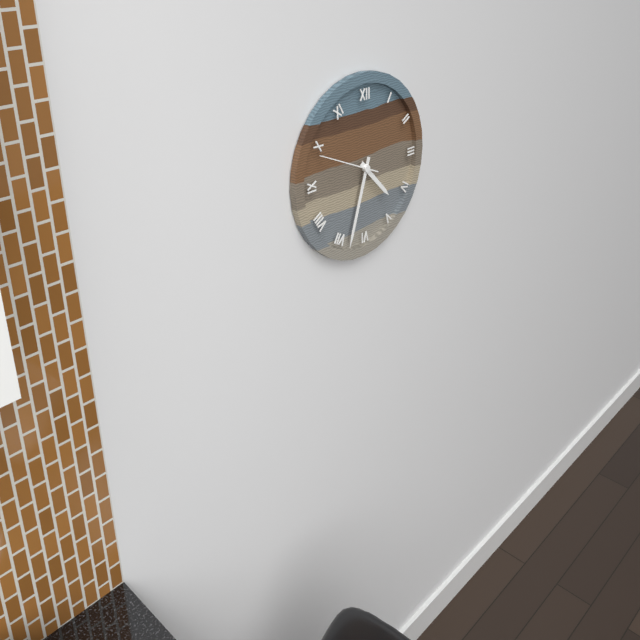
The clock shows 4.33.49
